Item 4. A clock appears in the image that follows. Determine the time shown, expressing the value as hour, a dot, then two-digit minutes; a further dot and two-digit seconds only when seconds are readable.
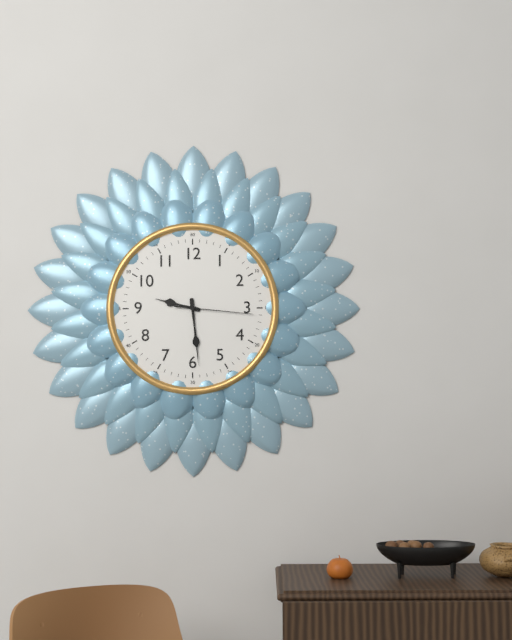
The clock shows 9.29.16
